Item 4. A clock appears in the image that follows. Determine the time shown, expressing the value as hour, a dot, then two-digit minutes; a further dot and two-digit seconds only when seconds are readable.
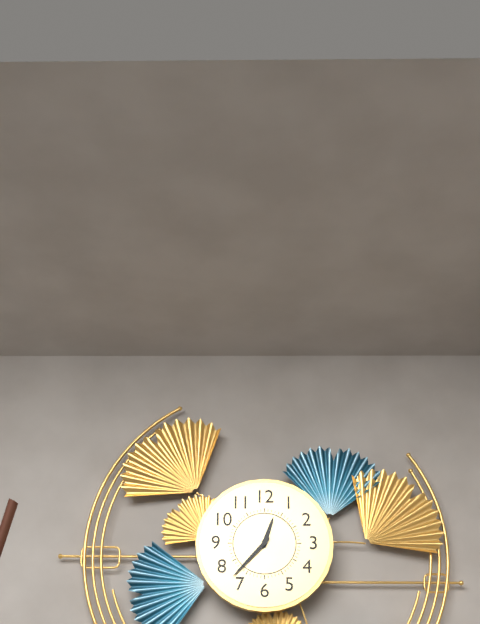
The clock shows 12.37
